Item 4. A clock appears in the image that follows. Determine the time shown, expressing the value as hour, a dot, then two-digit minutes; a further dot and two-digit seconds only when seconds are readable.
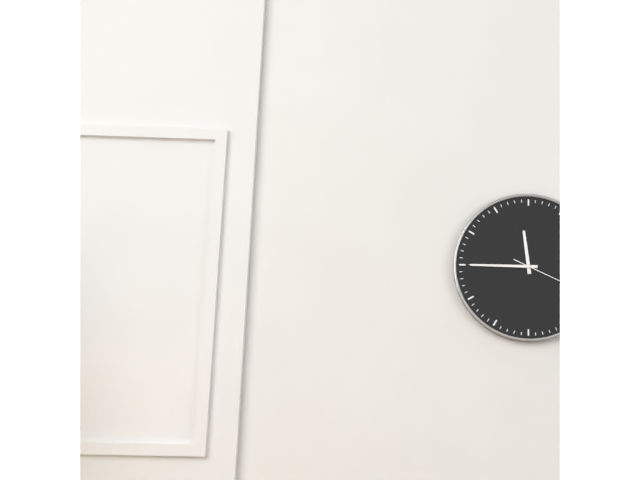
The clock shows 11.45
